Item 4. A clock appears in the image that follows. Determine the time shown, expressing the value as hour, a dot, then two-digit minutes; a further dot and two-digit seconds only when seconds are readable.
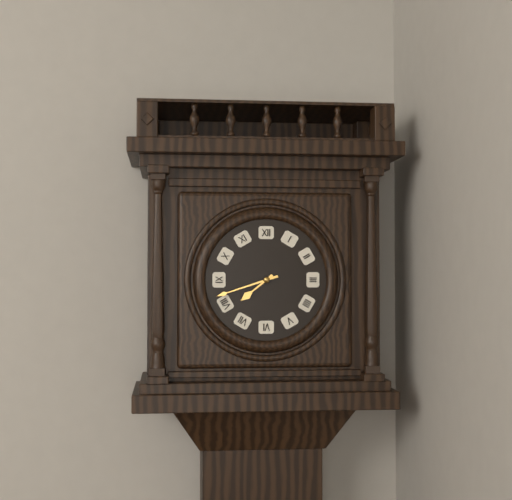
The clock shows 7.42
